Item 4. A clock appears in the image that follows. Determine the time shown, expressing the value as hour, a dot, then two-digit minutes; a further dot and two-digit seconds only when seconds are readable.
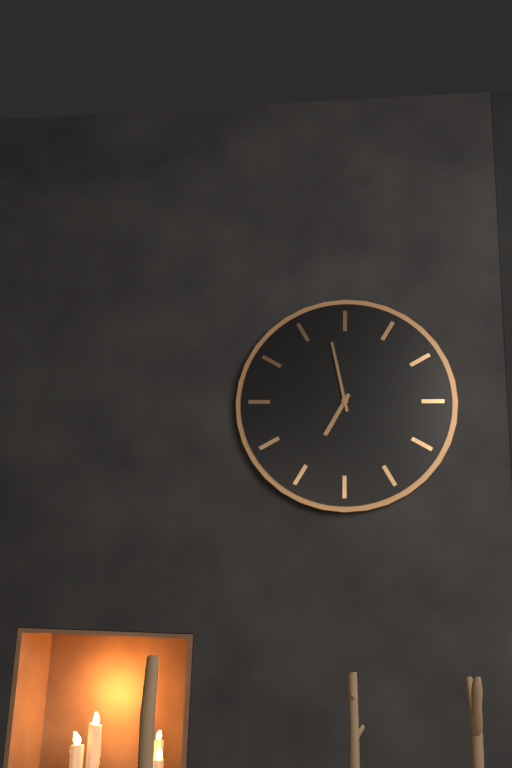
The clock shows 6.58
